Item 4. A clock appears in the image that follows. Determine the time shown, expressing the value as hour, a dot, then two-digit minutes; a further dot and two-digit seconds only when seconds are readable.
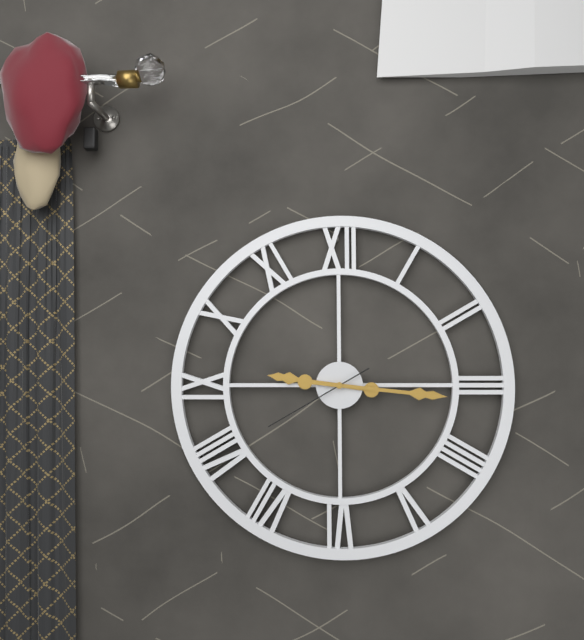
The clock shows 9.16.40
